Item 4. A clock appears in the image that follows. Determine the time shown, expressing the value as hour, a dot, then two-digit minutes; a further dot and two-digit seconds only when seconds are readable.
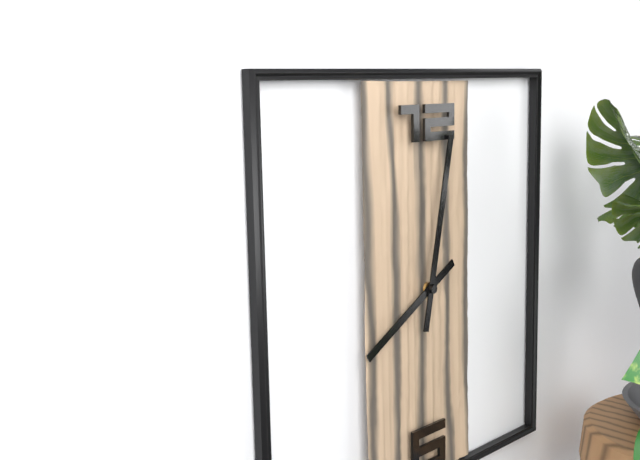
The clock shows 8.02
